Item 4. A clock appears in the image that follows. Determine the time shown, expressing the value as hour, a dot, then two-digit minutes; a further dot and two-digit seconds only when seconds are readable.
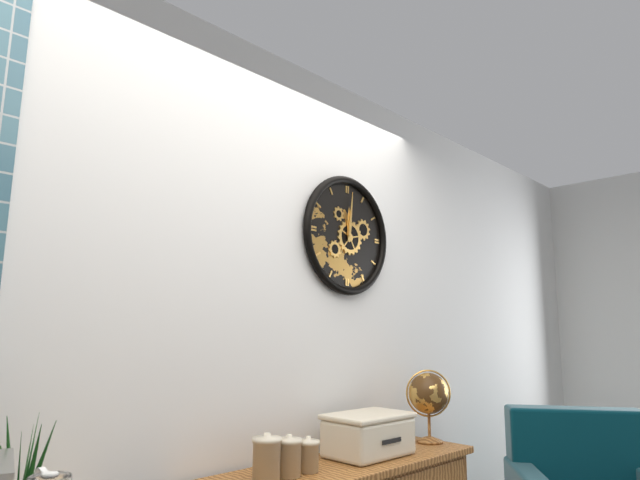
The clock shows 12.01
